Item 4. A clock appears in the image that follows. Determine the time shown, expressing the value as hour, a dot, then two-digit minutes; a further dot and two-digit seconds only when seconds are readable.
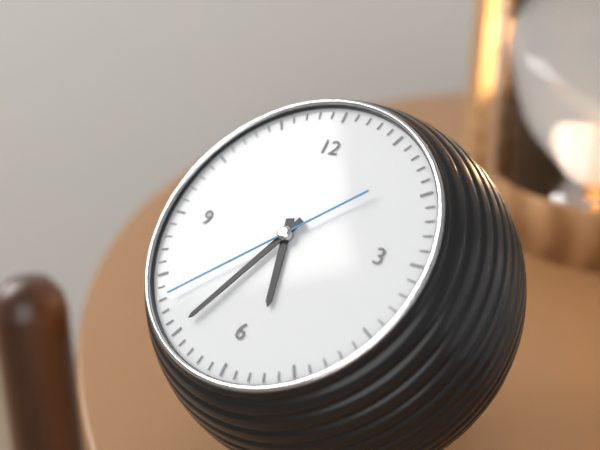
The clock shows 5.35.38
